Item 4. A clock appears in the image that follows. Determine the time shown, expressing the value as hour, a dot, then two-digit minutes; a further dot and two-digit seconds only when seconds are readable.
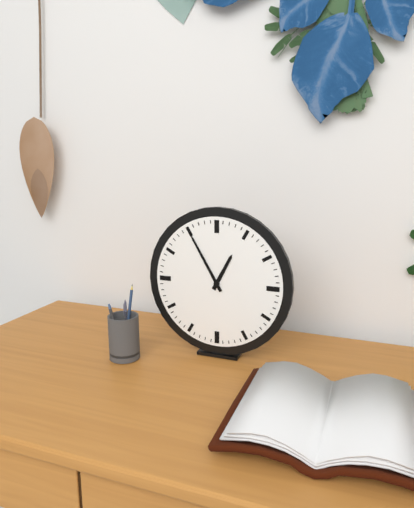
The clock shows 12.55
